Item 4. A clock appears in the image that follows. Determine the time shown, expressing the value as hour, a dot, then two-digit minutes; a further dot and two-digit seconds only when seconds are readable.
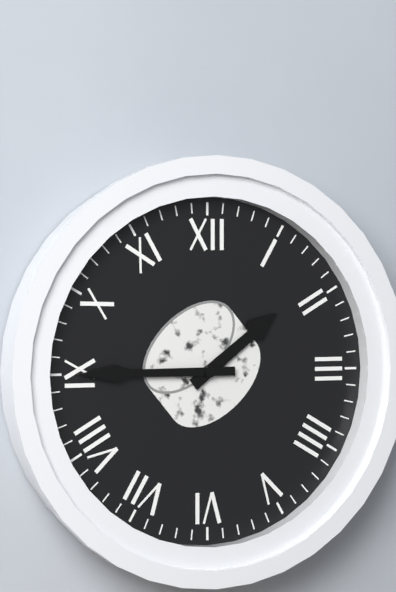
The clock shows 1.45
